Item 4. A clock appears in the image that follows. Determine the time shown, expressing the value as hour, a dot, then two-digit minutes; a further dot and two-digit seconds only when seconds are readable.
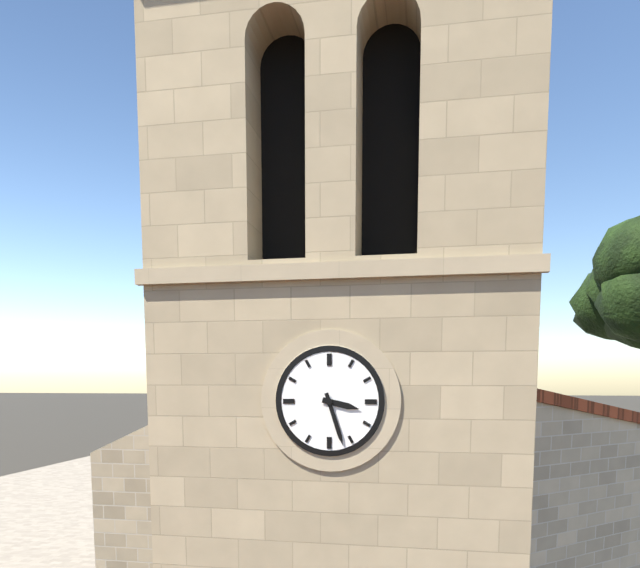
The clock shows 3.27
